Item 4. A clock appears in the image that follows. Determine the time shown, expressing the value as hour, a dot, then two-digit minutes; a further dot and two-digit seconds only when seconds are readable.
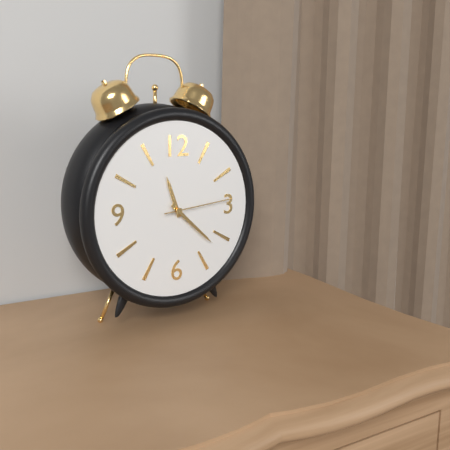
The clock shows 11.22.14
